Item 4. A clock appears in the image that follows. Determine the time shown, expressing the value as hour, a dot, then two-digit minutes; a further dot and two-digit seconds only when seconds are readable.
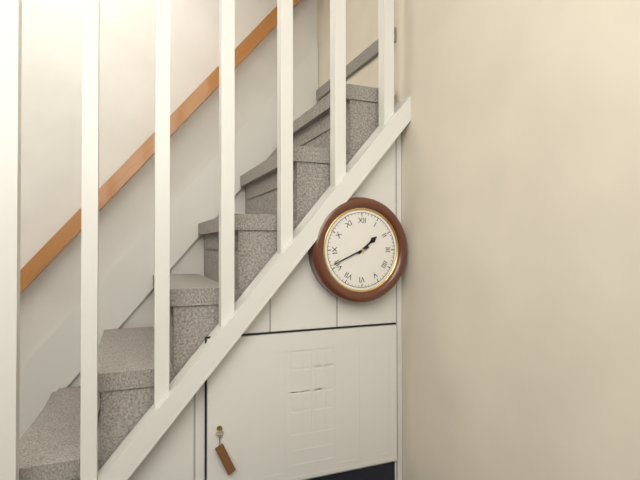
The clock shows 1.41
